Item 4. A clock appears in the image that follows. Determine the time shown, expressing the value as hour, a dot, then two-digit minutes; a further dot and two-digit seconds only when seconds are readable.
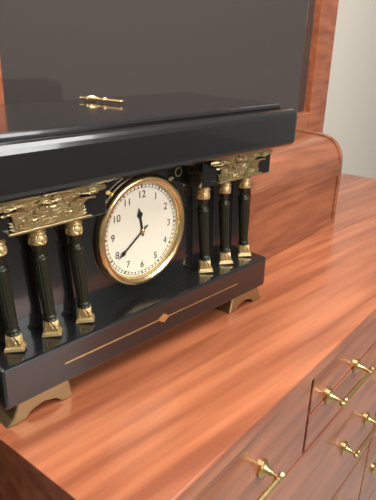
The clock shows 11.39
